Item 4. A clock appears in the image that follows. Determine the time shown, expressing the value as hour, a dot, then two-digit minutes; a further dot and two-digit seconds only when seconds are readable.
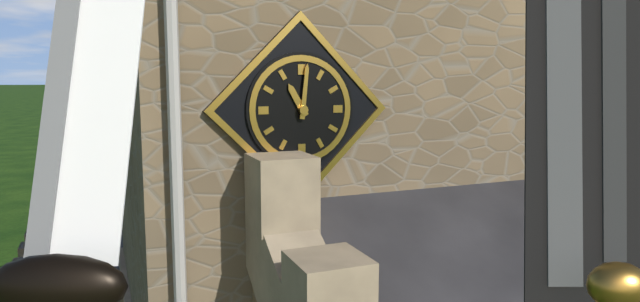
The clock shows 11.01
